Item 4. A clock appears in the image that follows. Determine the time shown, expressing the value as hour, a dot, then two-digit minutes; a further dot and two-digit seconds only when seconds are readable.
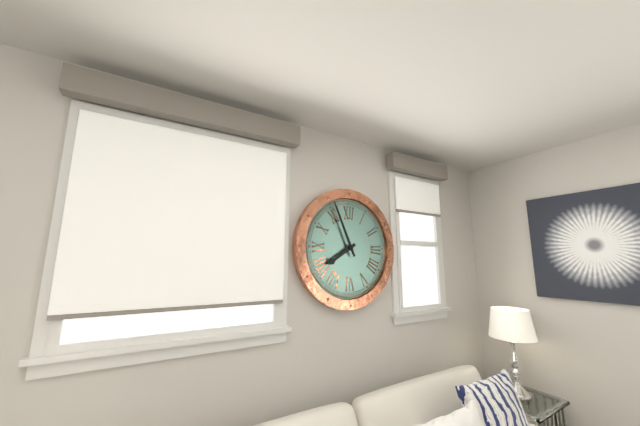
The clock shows 7.56
